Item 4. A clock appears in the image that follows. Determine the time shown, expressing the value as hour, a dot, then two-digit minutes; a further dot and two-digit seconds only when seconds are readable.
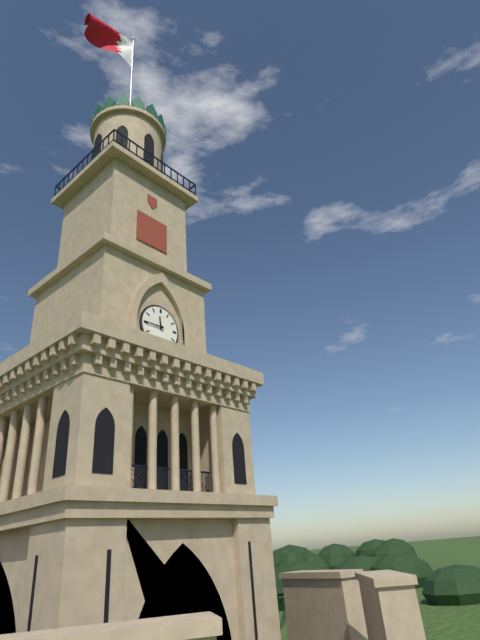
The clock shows 11.45
